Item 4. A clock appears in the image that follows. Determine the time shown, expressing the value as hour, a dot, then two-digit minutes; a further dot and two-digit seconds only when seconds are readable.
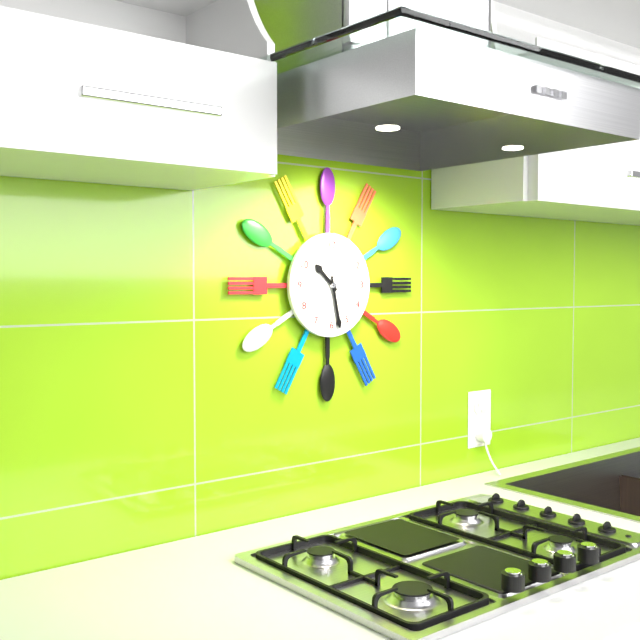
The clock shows 10.28
